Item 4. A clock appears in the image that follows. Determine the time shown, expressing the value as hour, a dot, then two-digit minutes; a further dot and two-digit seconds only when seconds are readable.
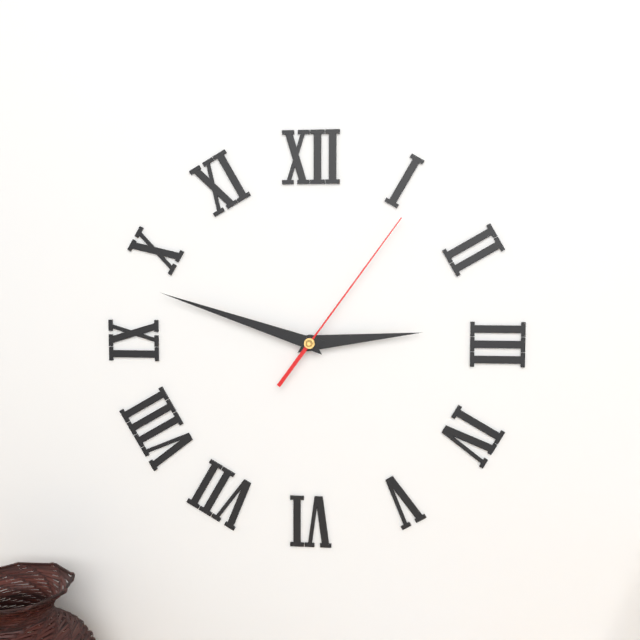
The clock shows 2.48.06
